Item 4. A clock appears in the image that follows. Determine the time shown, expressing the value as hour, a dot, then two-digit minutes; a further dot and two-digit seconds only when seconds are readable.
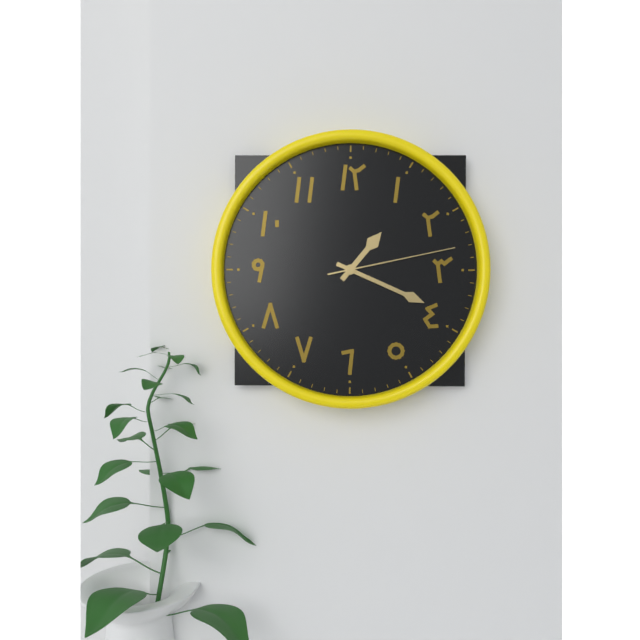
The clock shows 1.19.13
